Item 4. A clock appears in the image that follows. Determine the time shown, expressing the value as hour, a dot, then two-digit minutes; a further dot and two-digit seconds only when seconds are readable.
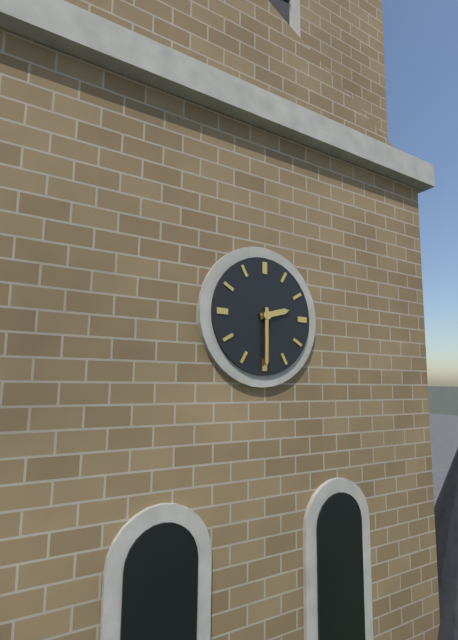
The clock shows 2.30
